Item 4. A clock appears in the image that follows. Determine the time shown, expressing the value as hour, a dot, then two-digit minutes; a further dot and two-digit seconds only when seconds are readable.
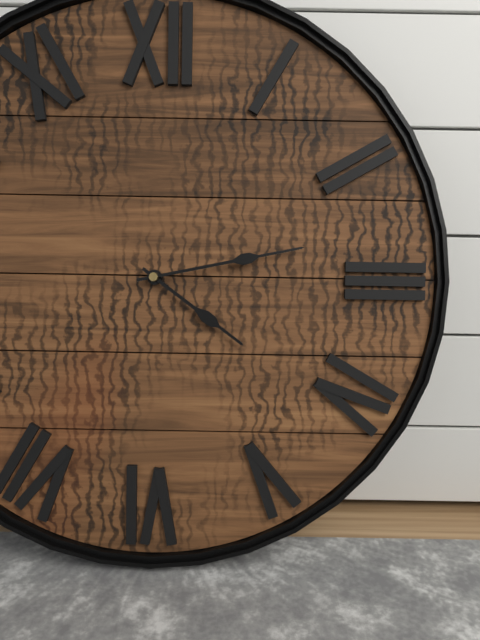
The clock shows 4.13
